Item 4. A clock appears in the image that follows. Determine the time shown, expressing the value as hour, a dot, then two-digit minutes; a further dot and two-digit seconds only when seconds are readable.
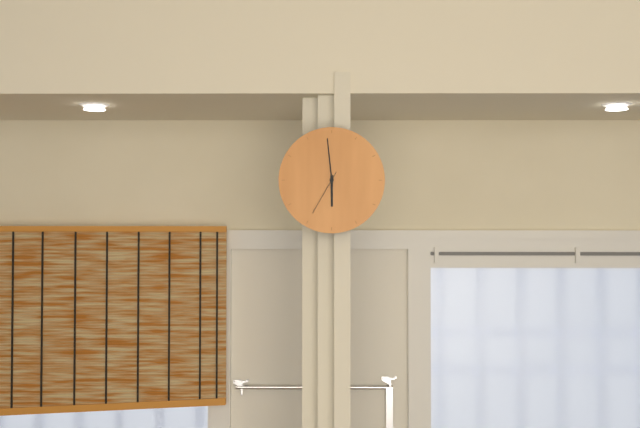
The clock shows 5.59
